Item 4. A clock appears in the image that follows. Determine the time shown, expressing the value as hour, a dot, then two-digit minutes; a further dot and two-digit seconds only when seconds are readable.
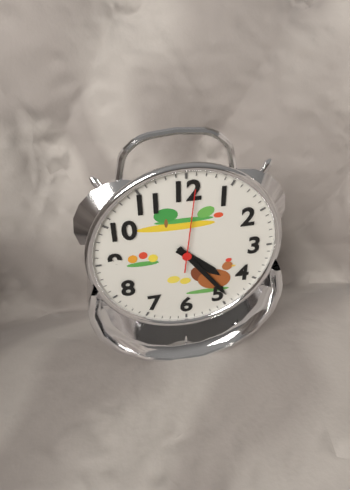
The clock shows 4.24.01
